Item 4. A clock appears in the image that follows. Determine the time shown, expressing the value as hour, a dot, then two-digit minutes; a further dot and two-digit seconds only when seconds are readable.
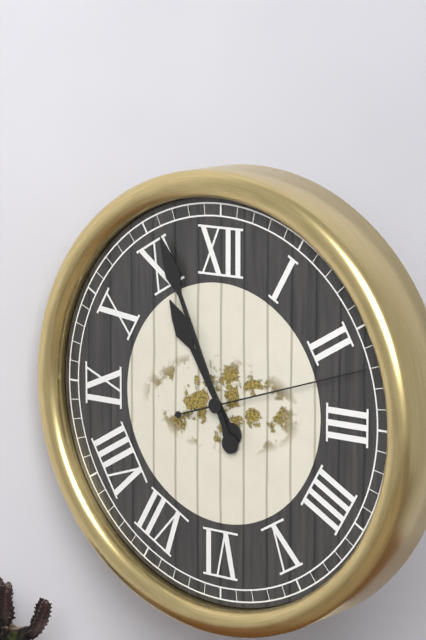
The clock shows 10.56.12
